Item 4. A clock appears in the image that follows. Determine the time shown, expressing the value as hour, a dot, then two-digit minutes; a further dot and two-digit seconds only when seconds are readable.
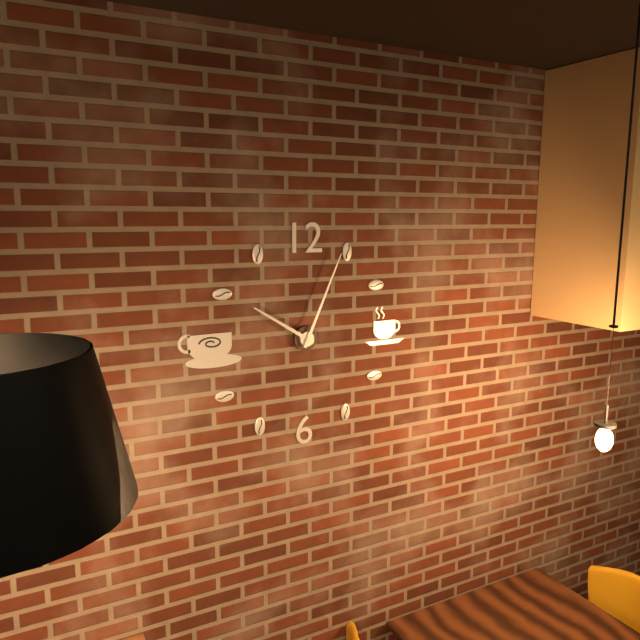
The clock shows 10.04
